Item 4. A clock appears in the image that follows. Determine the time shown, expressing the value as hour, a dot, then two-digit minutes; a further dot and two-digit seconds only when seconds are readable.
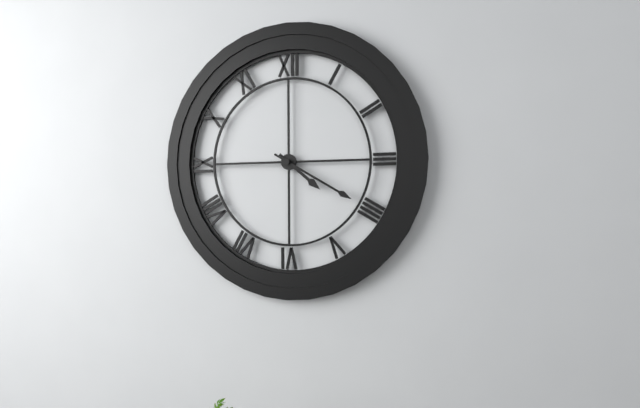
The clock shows 4.20
